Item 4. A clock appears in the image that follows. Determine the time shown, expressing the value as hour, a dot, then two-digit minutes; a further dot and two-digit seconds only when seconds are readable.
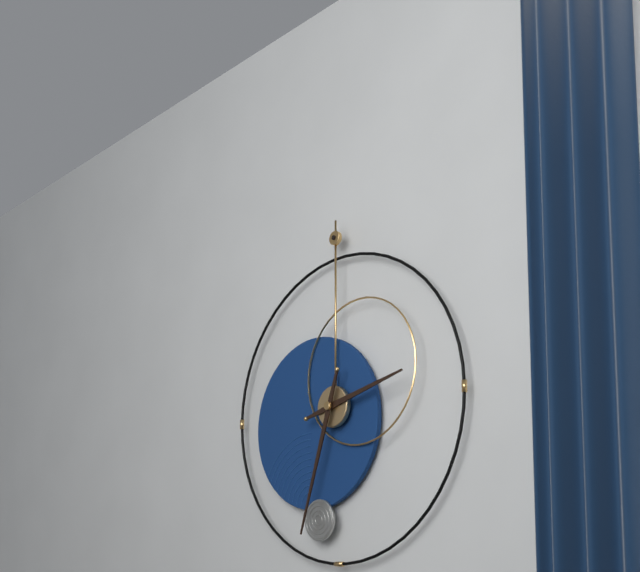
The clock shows 2.33
